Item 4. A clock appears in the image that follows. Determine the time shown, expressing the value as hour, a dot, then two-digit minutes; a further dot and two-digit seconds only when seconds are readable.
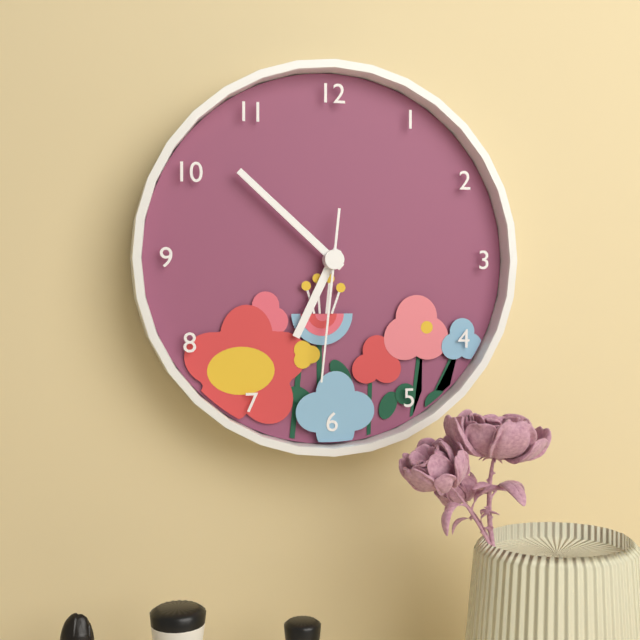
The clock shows 6.52.31
